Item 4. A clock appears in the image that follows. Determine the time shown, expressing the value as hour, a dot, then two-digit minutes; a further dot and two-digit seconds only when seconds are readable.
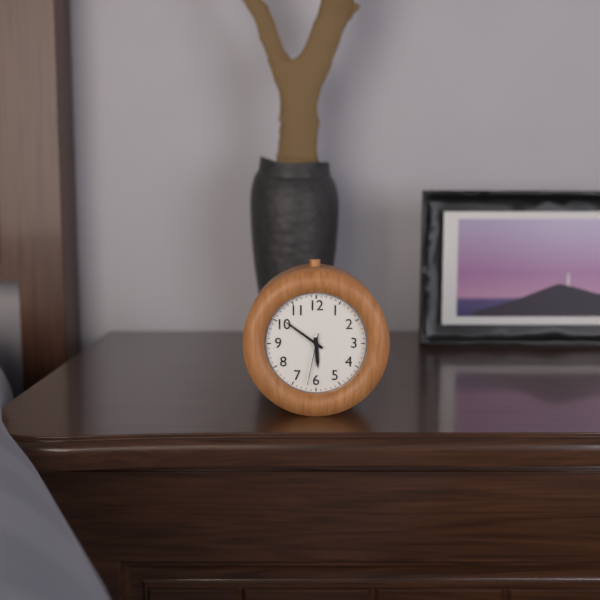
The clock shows 5.51.32
